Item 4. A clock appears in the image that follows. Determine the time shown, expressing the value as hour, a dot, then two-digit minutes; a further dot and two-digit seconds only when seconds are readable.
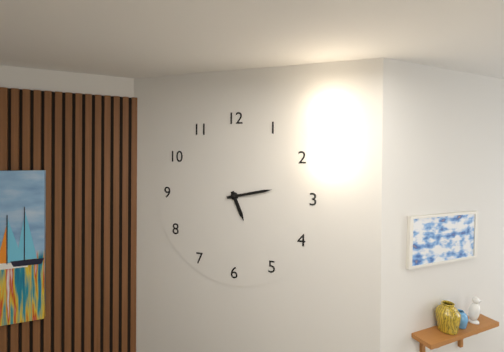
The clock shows 5.13
